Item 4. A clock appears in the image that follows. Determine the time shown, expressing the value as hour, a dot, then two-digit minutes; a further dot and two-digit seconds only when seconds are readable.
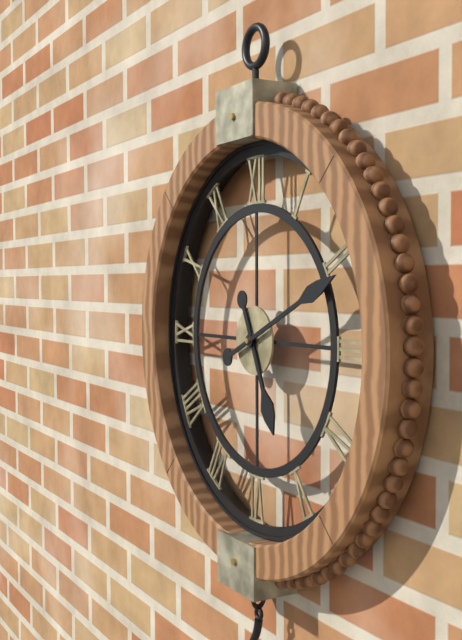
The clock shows 5.11
